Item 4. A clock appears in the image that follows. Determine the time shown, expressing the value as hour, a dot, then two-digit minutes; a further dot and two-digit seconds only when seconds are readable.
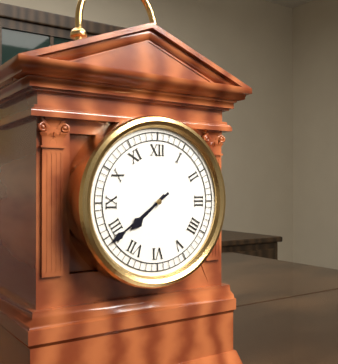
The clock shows 7.39
